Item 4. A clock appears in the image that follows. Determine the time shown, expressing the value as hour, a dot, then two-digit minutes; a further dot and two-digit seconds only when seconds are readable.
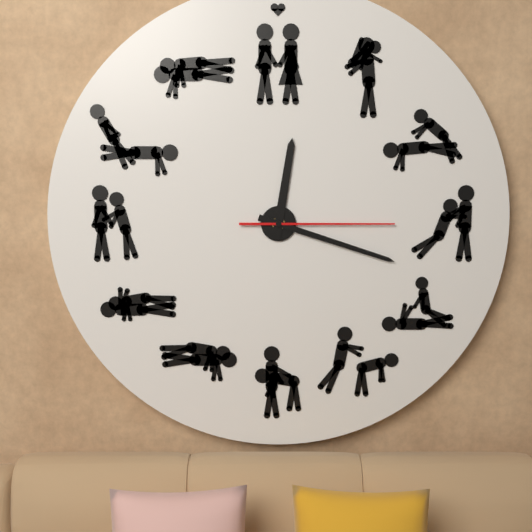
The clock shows 12.18.15
